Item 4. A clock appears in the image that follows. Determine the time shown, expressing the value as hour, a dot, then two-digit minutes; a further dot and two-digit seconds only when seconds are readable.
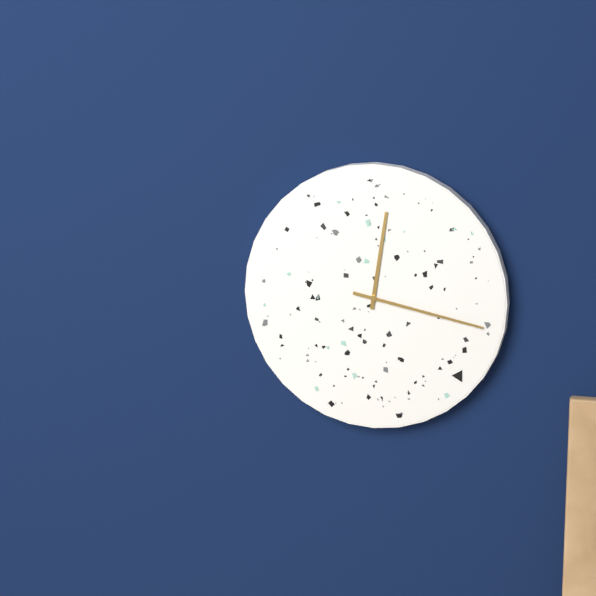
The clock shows 12.17
